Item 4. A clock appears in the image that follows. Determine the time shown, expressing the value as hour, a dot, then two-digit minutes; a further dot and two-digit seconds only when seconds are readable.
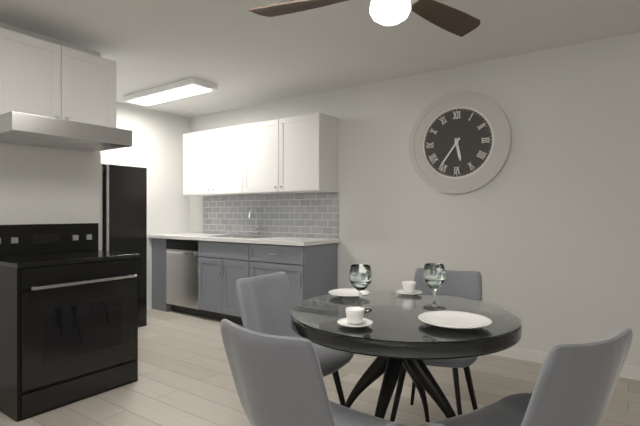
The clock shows 5.36
